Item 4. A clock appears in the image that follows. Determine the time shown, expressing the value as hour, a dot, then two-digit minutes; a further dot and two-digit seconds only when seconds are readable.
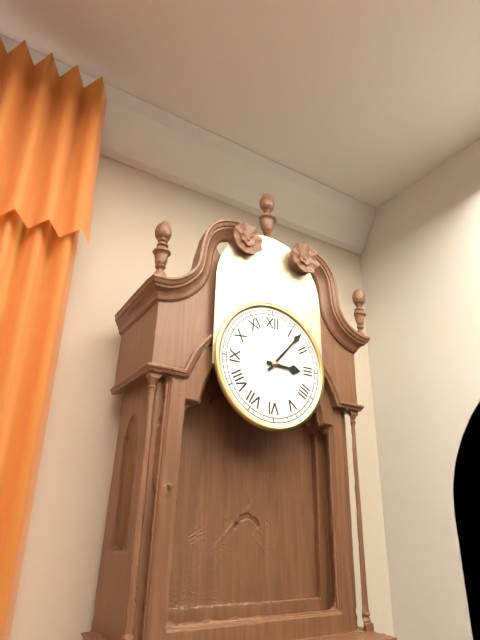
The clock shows 3.07
